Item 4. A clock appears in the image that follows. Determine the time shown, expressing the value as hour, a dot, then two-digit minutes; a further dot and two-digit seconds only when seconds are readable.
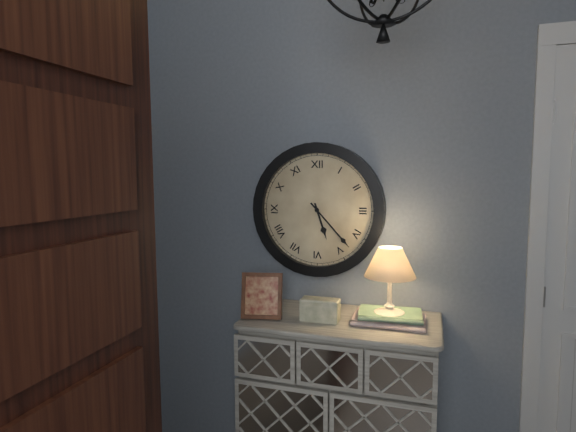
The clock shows 5.23
